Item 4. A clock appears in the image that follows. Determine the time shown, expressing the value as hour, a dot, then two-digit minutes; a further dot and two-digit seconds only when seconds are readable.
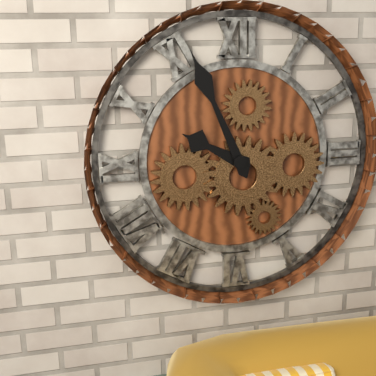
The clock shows 9.56
